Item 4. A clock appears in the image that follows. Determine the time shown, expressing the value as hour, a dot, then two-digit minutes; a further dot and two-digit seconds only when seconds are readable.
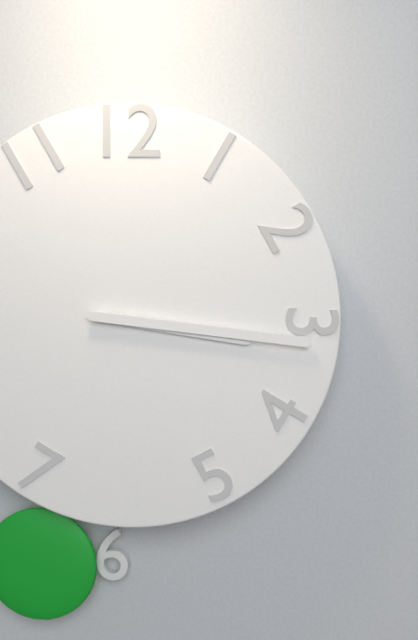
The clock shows 3.16
